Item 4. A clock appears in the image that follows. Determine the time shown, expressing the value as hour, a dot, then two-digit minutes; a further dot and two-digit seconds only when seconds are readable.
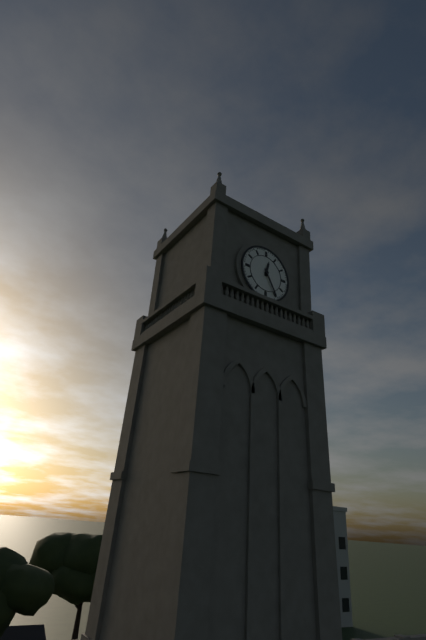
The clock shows 12.25
